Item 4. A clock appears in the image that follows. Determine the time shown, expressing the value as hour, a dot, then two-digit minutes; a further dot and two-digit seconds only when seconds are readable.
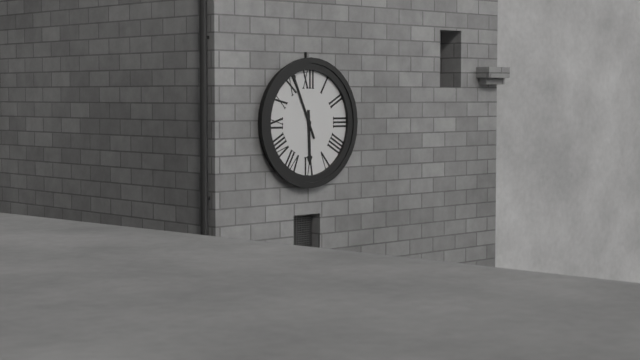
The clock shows 5.56
